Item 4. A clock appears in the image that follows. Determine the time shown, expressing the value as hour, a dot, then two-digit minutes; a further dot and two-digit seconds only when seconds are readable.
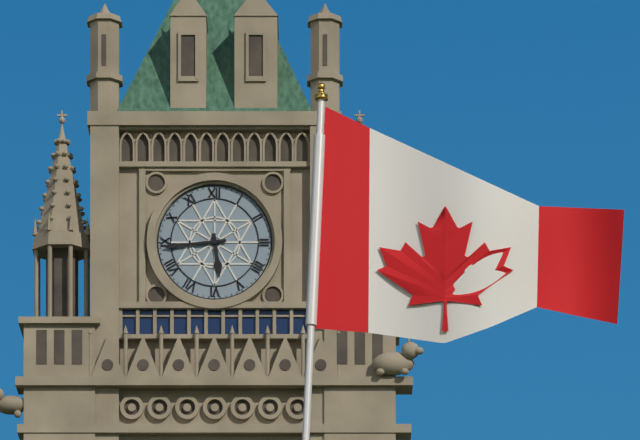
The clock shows 5.44
